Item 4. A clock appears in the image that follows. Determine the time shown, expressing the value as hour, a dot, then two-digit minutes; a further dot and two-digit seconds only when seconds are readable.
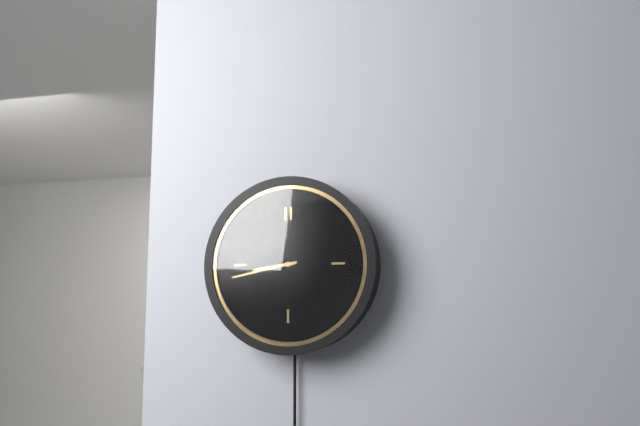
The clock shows 8.43
